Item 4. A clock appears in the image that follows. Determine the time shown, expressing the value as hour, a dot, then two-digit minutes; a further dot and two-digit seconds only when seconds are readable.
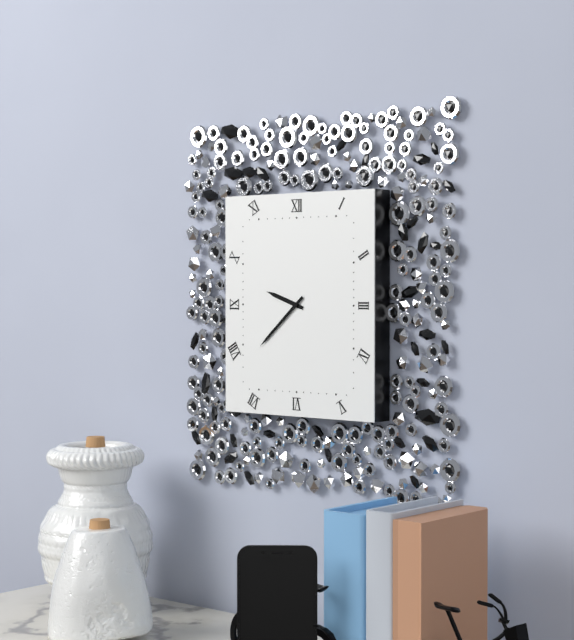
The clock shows 9.38
